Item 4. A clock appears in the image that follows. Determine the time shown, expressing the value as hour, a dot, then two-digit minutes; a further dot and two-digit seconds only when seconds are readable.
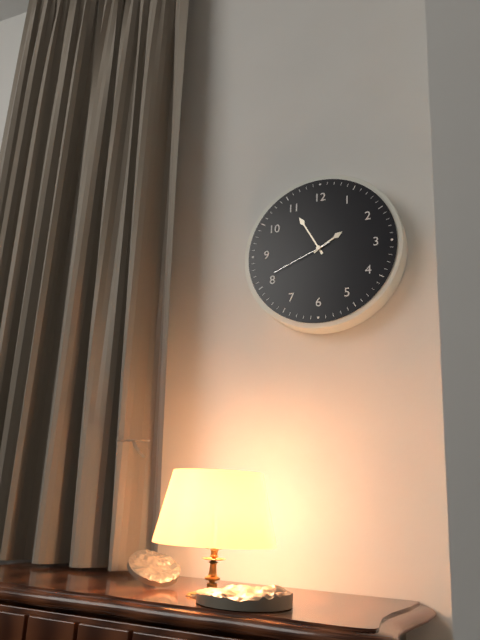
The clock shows 1.55.41
